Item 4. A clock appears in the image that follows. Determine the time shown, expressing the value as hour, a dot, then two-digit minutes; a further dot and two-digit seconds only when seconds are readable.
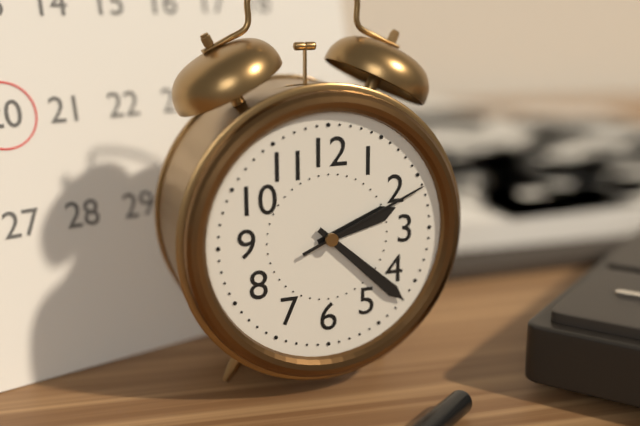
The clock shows 2.22.11
